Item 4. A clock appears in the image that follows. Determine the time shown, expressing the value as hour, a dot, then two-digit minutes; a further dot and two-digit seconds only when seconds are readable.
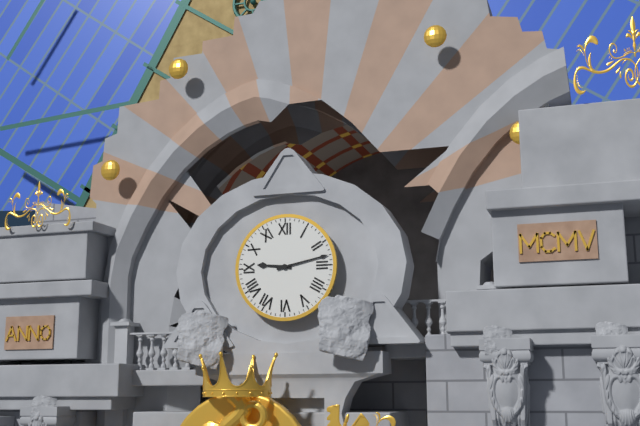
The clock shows 9.13
